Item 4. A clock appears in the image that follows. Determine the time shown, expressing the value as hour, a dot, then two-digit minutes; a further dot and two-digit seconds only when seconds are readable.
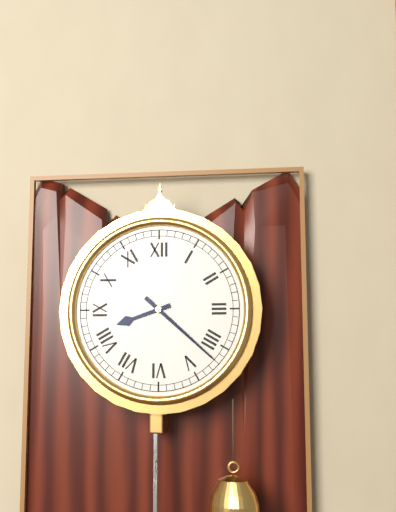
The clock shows 8.22
